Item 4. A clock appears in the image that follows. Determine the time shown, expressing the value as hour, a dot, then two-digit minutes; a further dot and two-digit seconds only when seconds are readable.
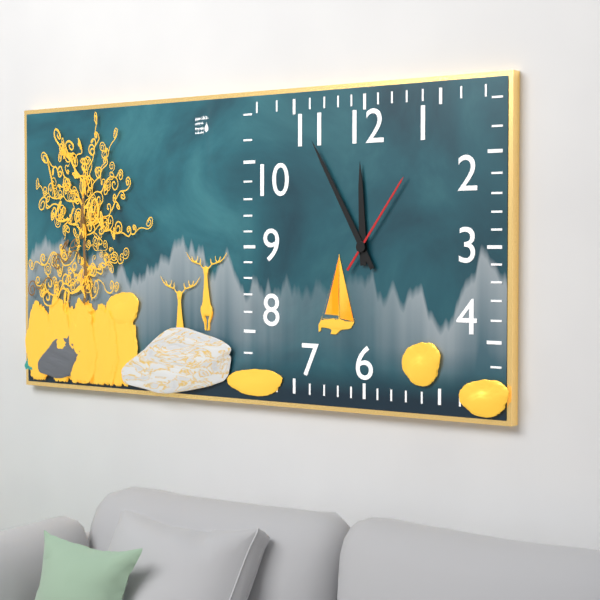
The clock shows 11.55.06
